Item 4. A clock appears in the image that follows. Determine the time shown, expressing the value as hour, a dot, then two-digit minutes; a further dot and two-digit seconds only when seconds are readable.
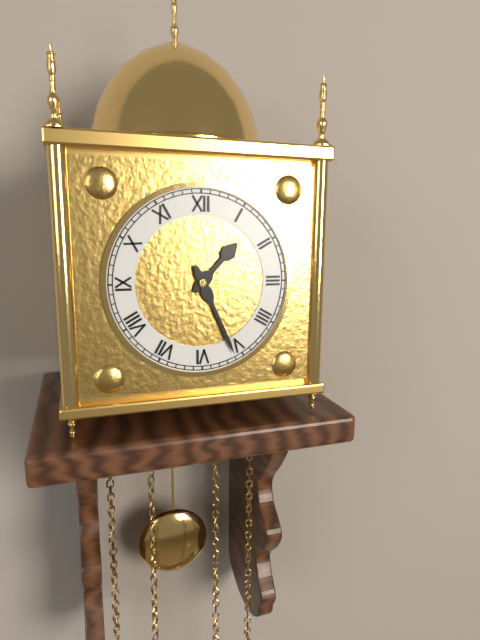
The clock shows 1.26
